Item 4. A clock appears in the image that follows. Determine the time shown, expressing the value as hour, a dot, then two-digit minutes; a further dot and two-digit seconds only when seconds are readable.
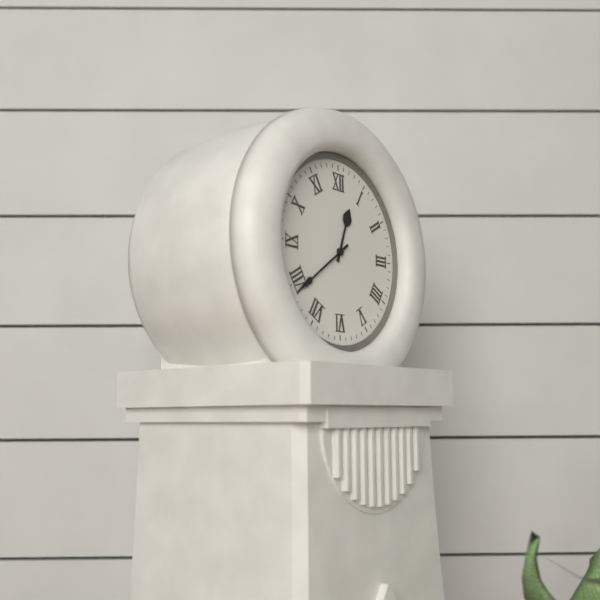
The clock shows 12.39
